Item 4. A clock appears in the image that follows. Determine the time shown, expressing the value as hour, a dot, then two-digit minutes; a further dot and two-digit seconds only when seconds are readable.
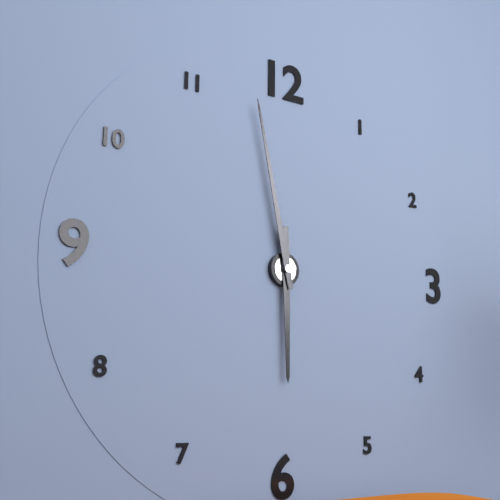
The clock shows 5.58
